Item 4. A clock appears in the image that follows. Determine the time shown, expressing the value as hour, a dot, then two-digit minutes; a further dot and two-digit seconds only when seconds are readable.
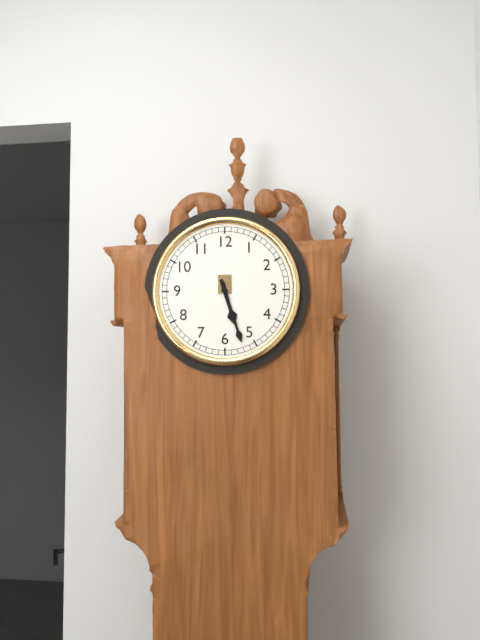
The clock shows 5.27
